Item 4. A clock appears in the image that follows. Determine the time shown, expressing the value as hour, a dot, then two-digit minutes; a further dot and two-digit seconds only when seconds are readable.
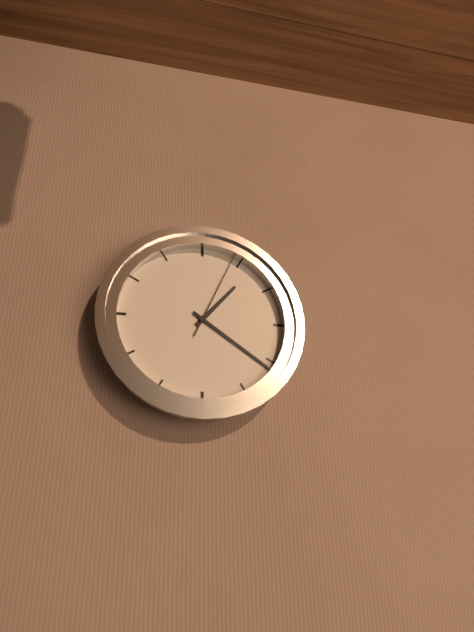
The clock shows 1.21.04
